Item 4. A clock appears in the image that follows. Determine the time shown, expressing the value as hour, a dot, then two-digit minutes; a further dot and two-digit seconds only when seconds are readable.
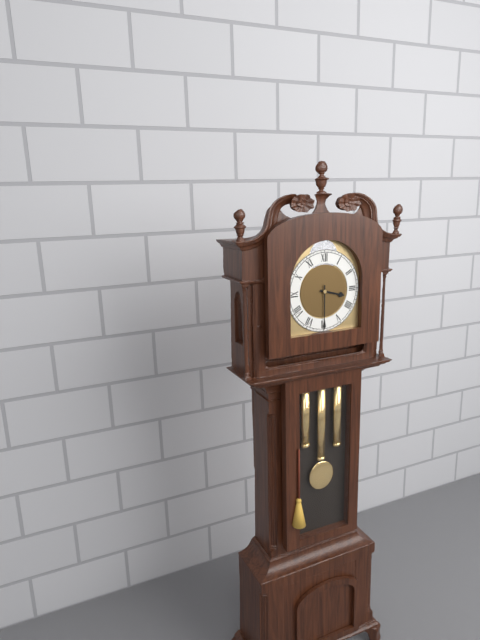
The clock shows 3.30
